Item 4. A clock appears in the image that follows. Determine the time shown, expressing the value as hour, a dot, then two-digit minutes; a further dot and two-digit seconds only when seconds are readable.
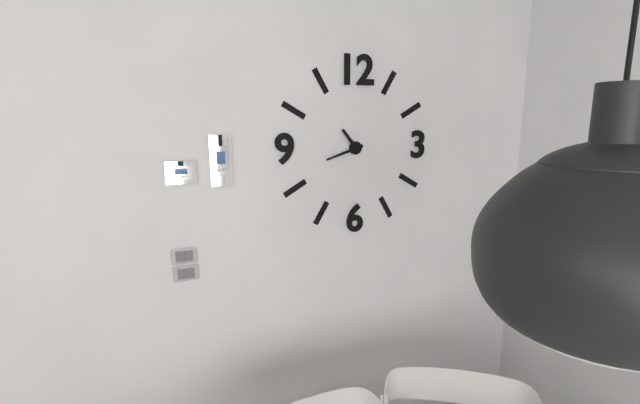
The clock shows 10.42
